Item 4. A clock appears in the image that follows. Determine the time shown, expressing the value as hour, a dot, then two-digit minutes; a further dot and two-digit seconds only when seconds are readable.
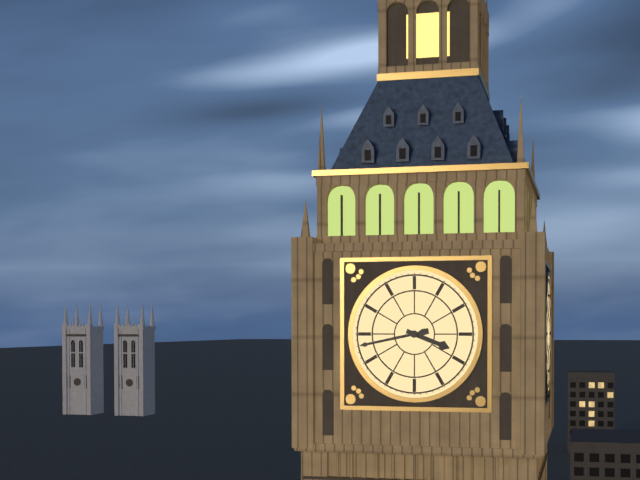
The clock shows 3.43
